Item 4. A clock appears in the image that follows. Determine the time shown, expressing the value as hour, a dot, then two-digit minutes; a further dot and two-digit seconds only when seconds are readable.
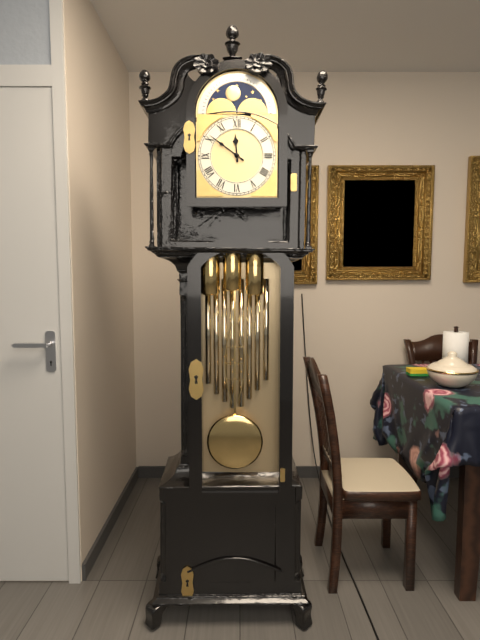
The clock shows 11.51
